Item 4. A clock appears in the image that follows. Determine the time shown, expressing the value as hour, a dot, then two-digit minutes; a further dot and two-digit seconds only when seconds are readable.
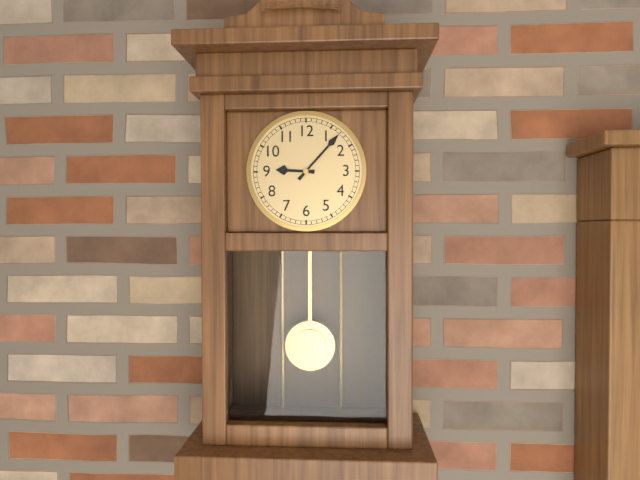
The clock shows 9.07
